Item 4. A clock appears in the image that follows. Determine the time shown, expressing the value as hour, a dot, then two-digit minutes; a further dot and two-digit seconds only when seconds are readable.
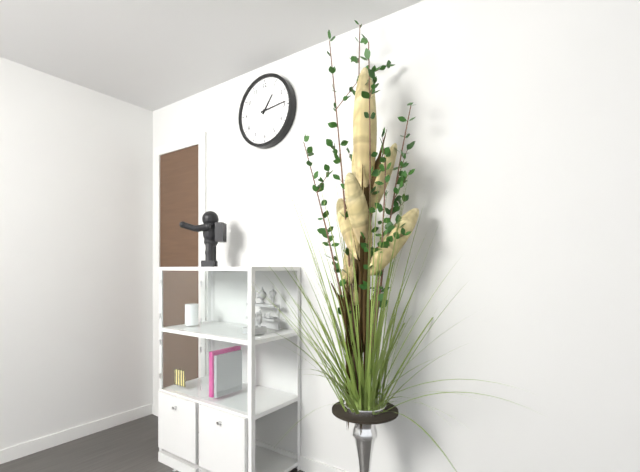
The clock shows 1.14
